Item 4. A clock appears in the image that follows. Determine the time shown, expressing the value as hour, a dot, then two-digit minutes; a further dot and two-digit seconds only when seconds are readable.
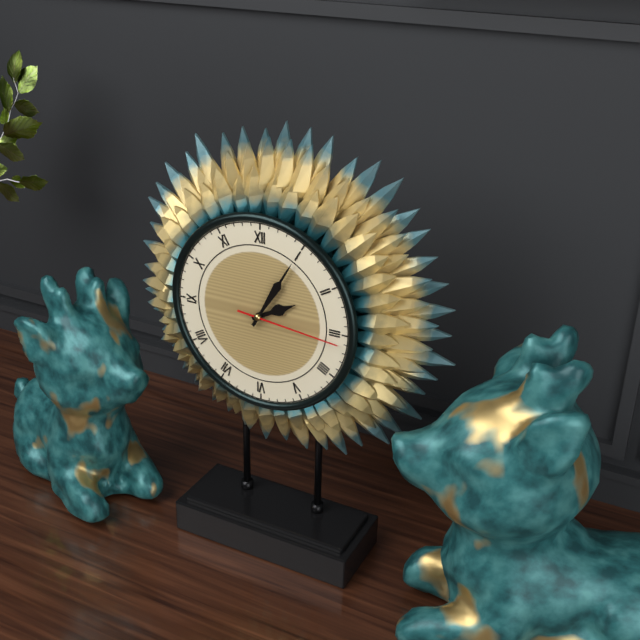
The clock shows 2.05.16
